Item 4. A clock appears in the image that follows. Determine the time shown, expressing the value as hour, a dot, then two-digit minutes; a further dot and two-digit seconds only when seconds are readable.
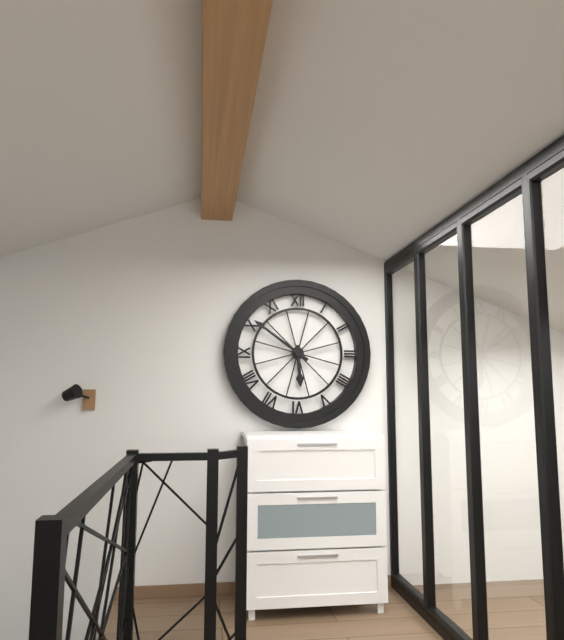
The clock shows 5.51
